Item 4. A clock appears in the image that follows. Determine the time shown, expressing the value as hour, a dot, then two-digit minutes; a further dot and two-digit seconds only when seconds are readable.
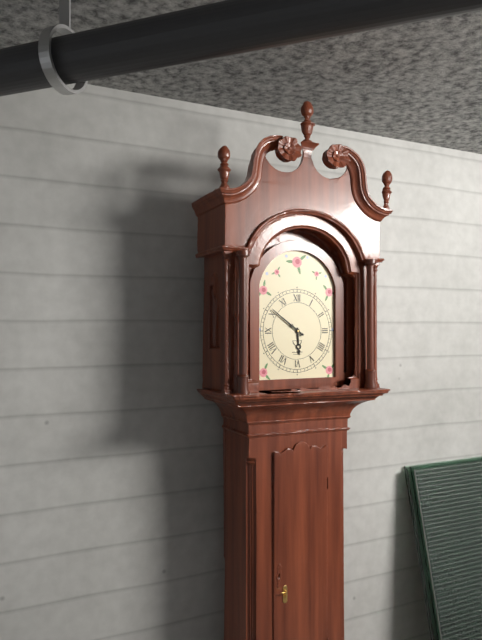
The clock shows 5.51
